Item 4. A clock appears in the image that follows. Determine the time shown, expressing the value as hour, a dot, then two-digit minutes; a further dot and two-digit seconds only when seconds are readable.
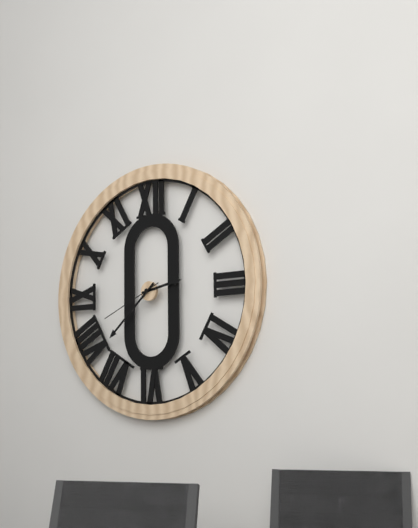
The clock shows 2.38.41
